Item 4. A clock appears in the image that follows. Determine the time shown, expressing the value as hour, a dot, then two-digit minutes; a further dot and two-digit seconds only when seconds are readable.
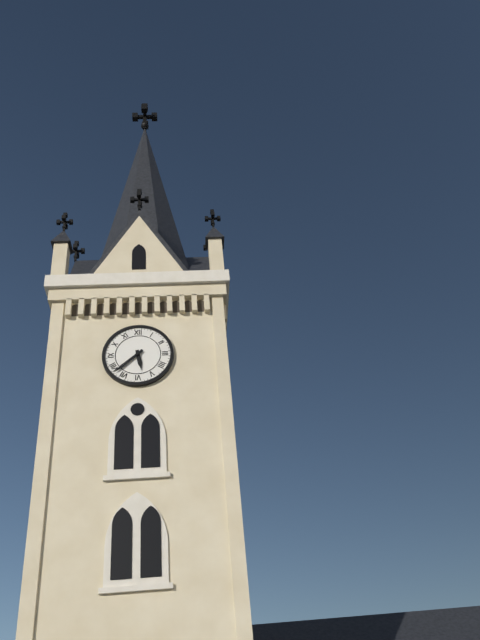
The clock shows 5.38
